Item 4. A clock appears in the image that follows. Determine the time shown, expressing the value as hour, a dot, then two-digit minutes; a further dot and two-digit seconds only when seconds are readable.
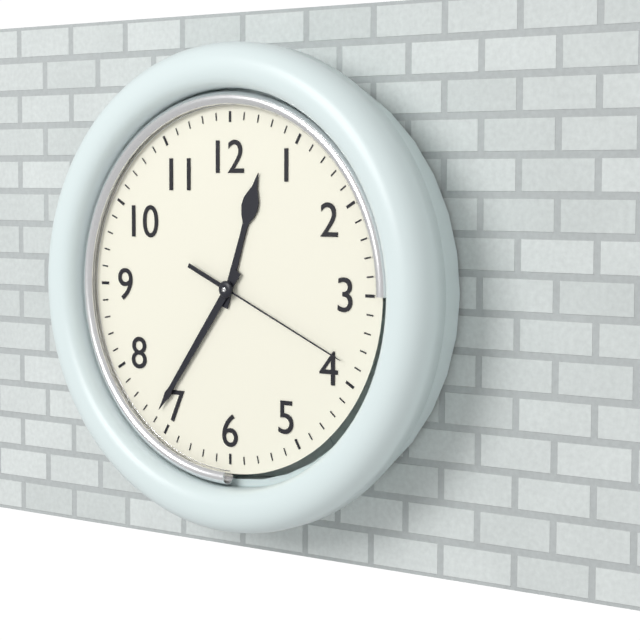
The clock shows 12.36.19
